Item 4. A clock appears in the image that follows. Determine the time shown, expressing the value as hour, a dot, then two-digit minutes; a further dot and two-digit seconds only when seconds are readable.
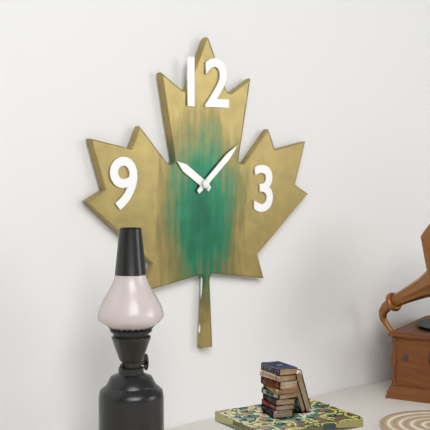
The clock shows 10.08
